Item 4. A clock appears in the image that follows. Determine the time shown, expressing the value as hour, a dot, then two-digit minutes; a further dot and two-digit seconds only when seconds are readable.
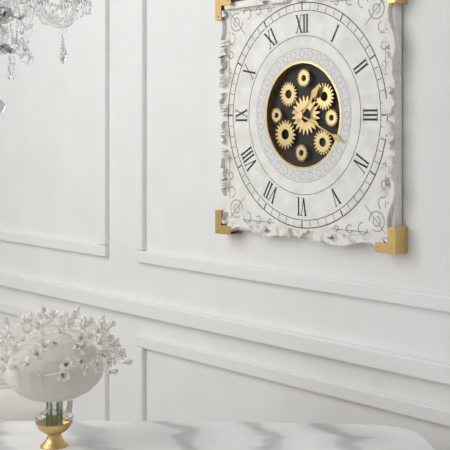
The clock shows 1.19
